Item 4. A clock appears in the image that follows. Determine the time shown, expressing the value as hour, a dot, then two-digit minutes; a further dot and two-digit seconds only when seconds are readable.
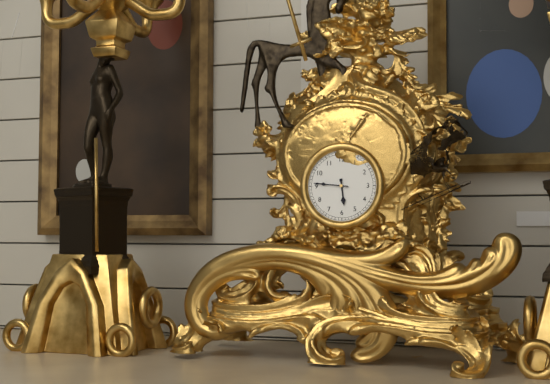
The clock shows 5.46
